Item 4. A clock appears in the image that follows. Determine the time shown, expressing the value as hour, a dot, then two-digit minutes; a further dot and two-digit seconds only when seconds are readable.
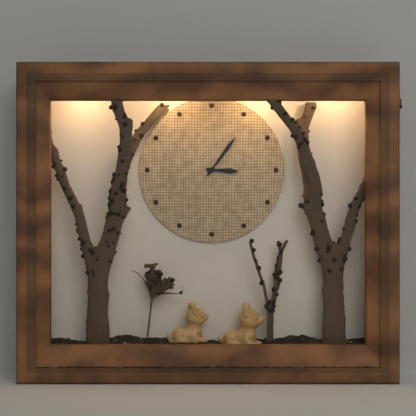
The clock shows 3.06
